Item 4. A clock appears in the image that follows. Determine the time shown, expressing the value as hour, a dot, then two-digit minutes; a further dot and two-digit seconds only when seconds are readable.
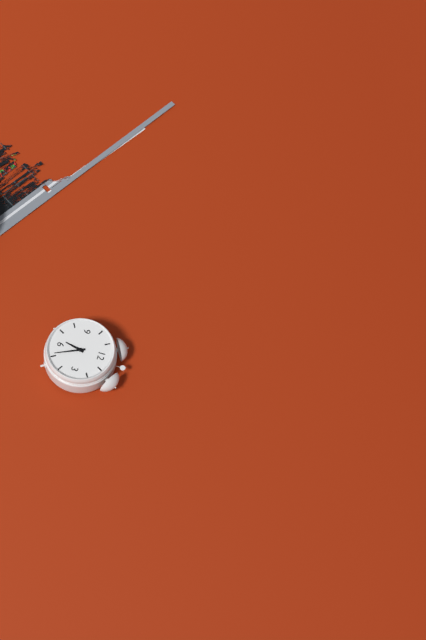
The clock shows 6.26
